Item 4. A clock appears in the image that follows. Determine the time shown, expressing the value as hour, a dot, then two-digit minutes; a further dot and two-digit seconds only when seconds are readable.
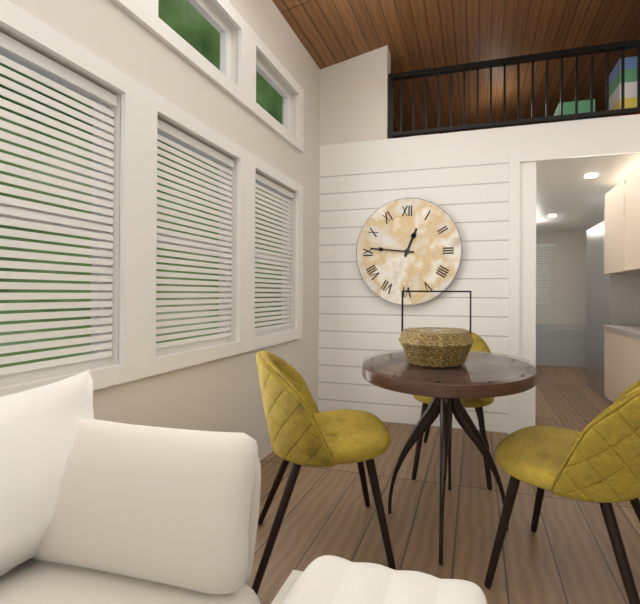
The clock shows 12.46
